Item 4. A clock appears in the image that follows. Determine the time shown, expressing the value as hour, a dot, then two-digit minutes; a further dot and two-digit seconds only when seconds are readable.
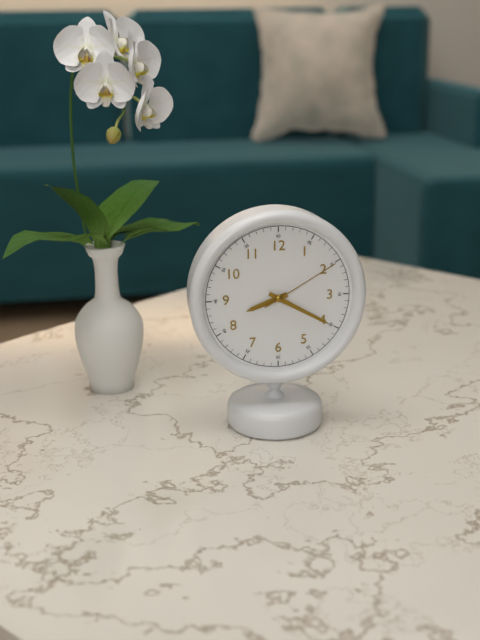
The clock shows 8.20.10
